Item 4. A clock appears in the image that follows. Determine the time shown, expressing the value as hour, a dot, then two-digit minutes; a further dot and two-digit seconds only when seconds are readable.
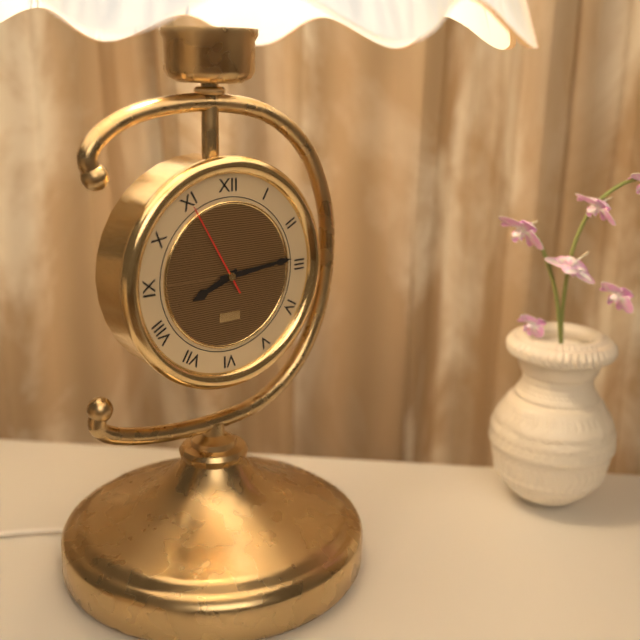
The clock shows 8.14.55
